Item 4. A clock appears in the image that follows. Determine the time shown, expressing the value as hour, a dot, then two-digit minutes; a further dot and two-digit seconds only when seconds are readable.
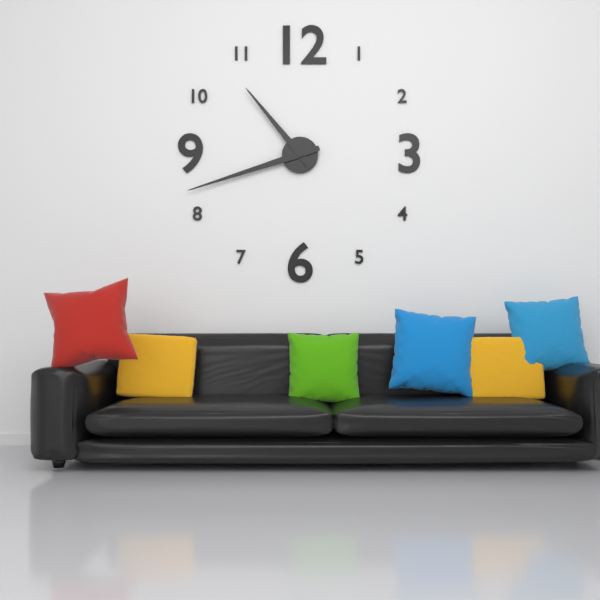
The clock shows 10.42
